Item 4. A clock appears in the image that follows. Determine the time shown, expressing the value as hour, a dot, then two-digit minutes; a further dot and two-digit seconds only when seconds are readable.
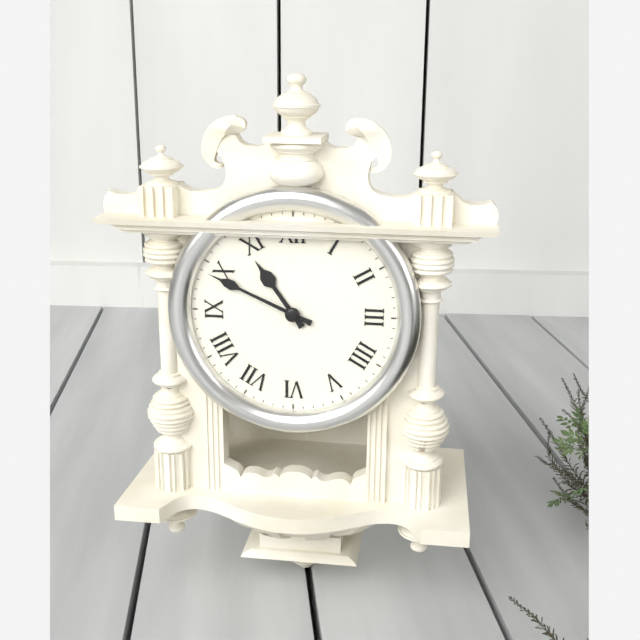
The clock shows 10.49
